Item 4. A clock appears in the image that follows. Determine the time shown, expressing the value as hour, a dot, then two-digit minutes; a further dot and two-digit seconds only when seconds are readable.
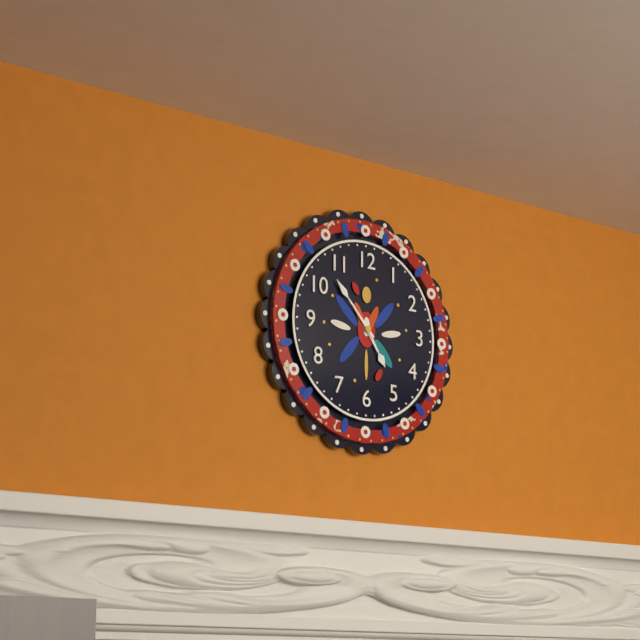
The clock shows 4.53
